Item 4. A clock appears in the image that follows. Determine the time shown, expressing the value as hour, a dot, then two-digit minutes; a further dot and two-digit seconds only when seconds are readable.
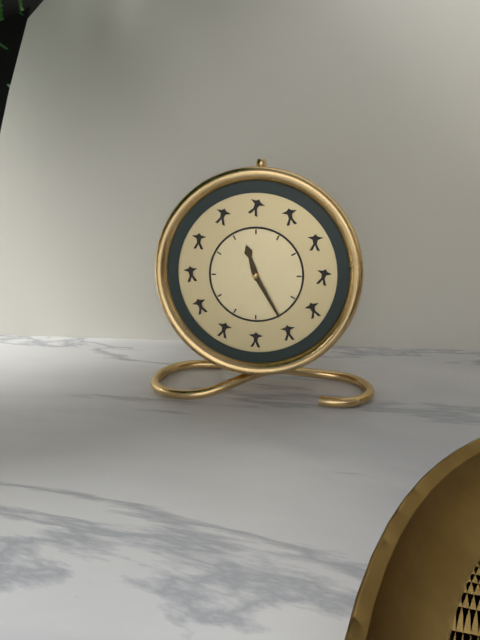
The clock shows 11.25
